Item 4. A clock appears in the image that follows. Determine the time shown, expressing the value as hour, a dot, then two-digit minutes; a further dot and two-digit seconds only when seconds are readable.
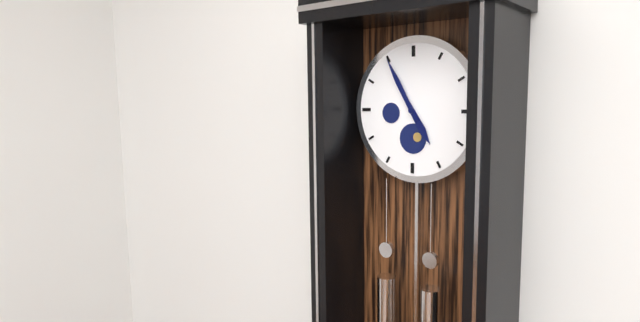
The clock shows 4.55
